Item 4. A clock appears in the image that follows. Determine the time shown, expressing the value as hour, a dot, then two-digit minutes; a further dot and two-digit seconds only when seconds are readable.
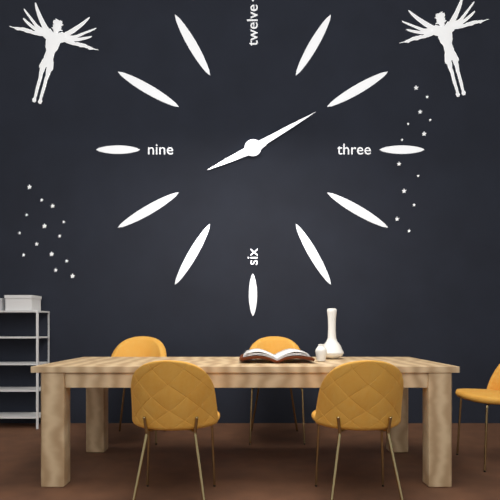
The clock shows 8.10
